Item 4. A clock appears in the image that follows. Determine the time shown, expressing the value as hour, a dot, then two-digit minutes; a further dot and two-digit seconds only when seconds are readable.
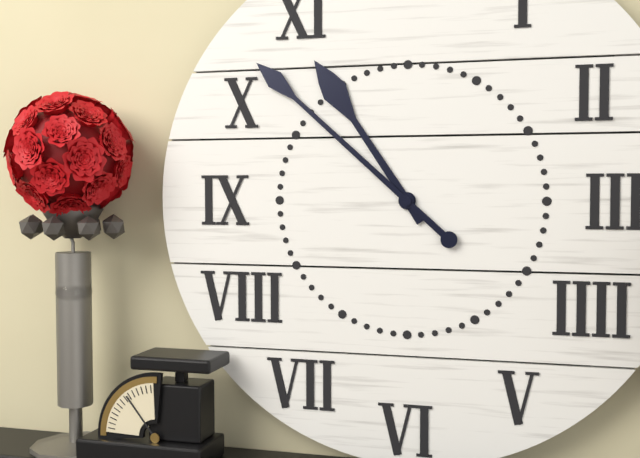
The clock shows 10.52
